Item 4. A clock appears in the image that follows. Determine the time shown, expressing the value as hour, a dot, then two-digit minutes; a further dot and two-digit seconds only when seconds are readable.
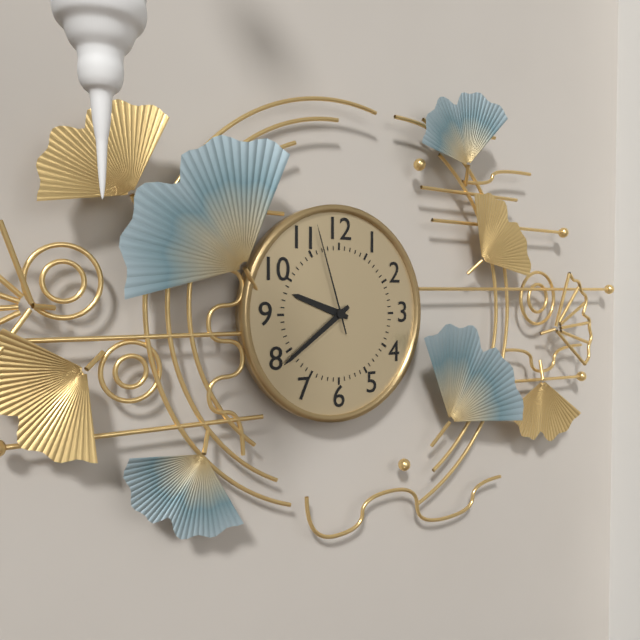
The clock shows 9.39.57
